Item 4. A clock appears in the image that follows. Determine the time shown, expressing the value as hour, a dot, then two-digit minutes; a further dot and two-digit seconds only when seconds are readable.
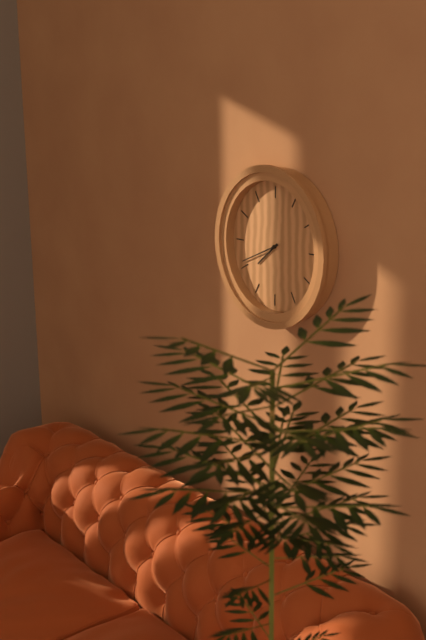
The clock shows 7.41
